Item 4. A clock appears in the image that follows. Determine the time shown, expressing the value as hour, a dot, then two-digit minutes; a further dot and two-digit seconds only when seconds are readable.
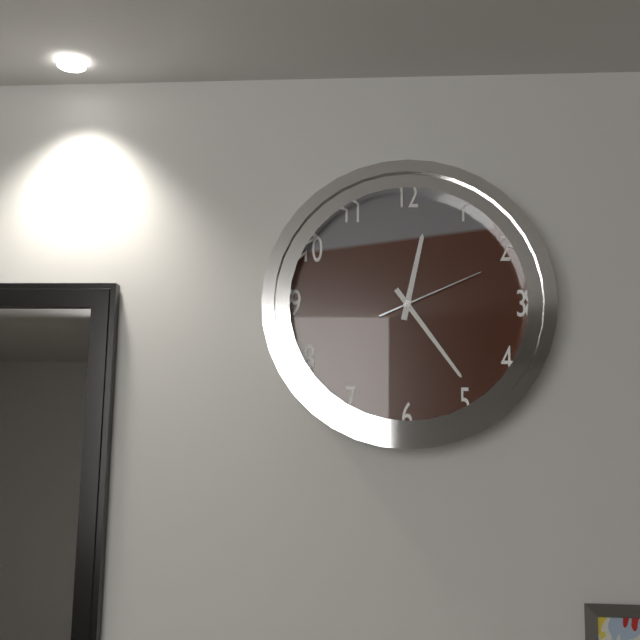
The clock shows 12.24.11
